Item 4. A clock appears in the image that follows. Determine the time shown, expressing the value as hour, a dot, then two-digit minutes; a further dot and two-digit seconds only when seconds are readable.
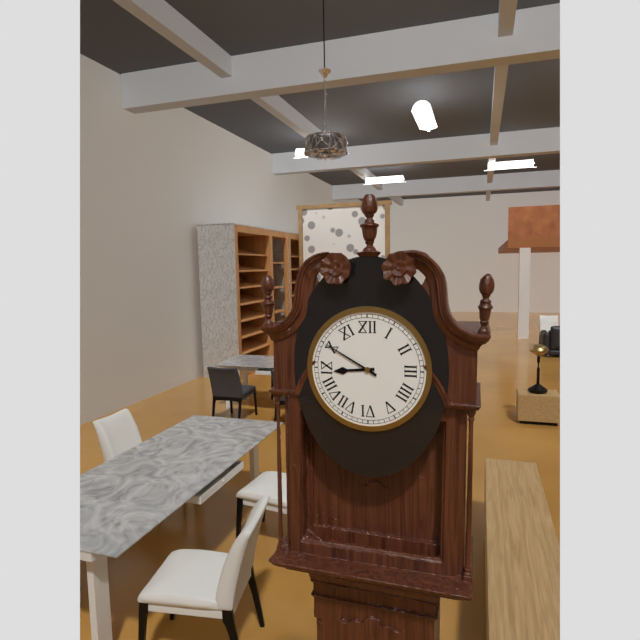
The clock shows 8.50
